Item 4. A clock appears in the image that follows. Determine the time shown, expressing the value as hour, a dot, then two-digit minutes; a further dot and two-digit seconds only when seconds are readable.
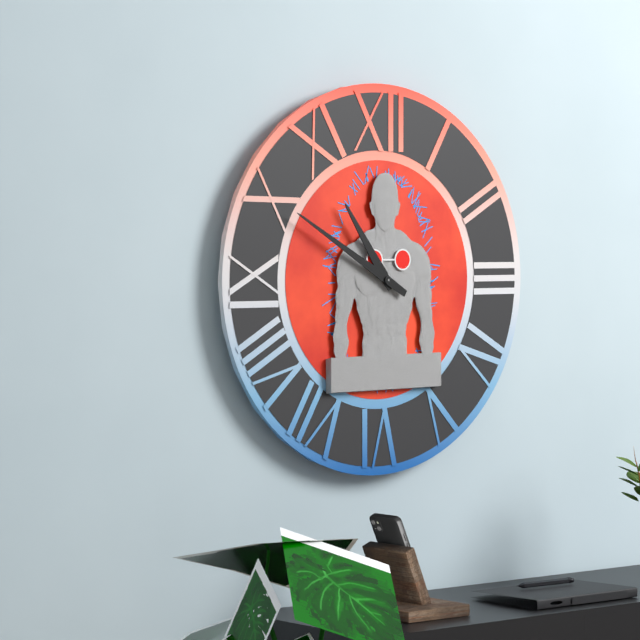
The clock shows 10.50
